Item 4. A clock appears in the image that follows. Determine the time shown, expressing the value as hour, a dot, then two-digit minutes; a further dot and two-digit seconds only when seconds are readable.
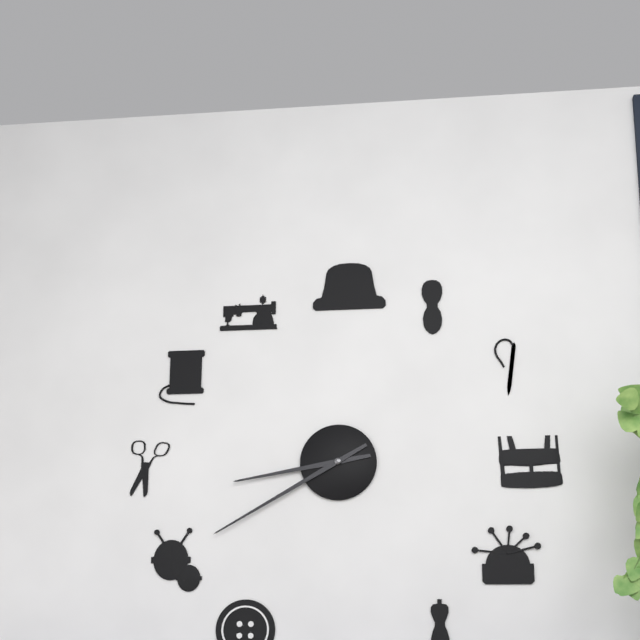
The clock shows 8.40
